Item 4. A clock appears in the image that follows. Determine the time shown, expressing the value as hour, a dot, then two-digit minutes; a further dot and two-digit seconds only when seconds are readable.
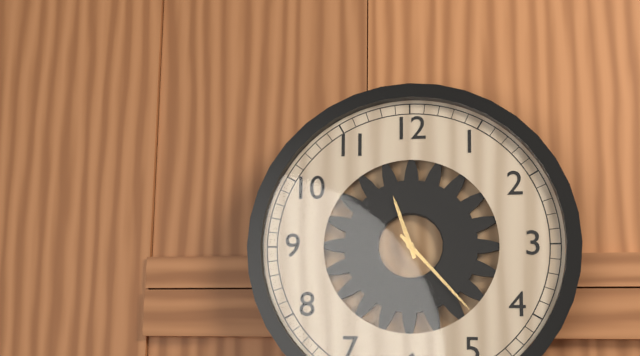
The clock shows 11.23
